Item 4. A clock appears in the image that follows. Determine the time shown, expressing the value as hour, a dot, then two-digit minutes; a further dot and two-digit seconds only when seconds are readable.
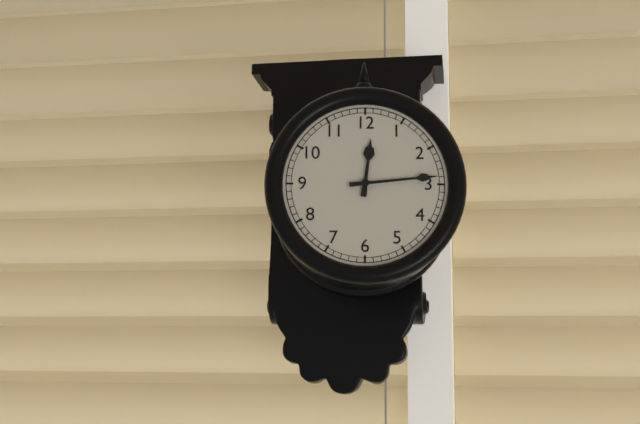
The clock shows 12.14
